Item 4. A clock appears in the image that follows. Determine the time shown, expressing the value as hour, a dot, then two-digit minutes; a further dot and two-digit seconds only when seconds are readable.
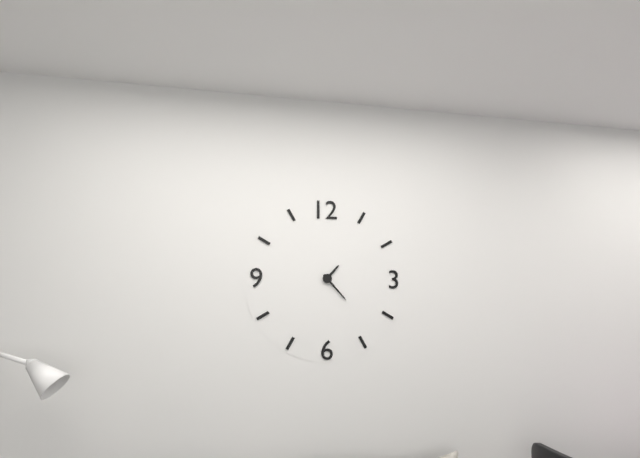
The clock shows 1.23
